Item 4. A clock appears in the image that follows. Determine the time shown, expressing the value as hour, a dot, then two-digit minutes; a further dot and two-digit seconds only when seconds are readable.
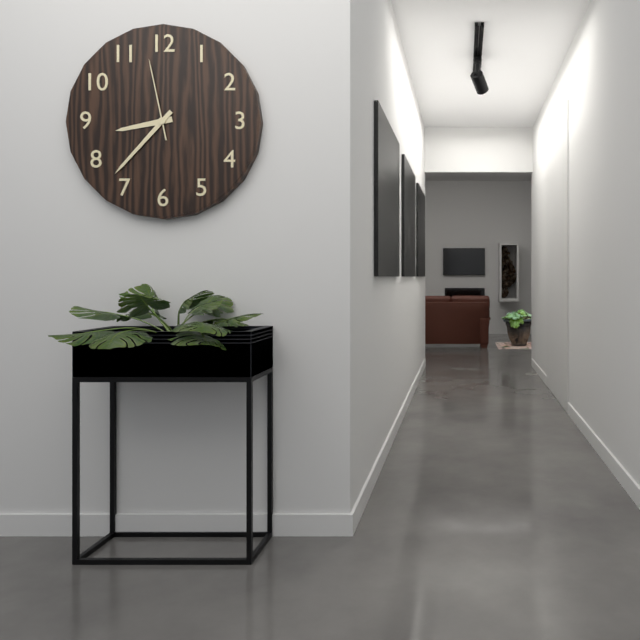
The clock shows 8.37.58
